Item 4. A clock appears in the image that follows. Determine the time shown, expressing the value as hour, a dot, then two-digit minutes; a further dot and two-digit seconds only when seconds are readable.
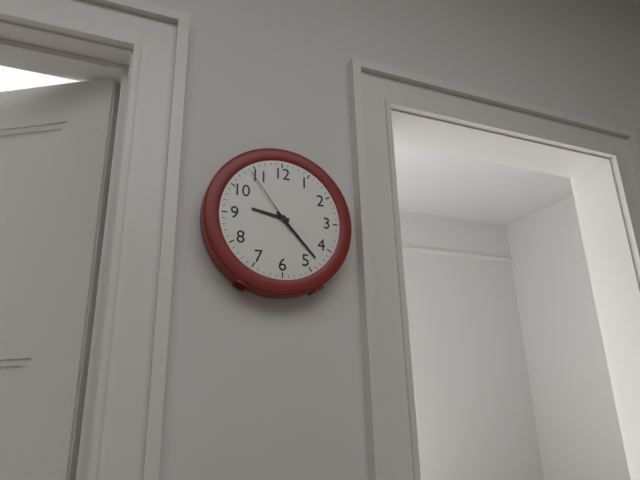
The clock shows 9.23.54
